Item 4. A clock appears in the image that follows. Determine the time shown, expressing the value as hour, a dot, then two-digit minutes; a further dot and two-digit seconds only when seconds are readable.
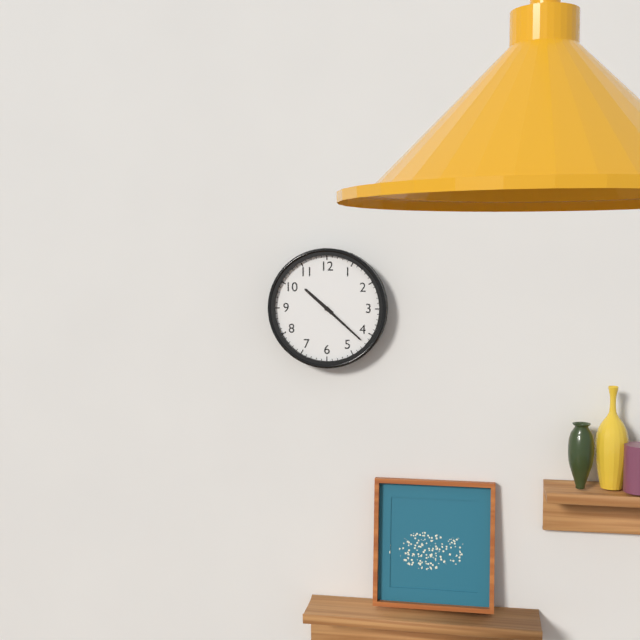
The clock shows 10.22
